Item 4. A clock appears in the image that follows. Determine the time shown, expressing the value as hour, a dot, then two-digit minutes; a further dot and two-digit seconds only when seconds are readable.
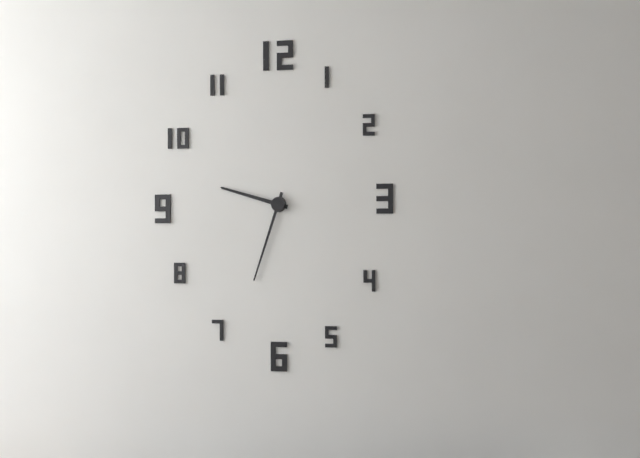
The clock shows 9.33
